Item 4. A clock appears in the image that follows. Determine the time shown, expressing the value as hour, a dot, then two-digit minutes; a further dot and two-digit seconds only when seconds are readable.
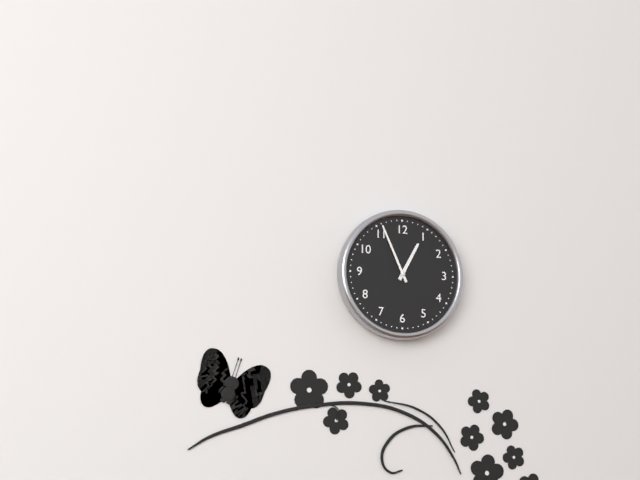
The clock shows 12.56
